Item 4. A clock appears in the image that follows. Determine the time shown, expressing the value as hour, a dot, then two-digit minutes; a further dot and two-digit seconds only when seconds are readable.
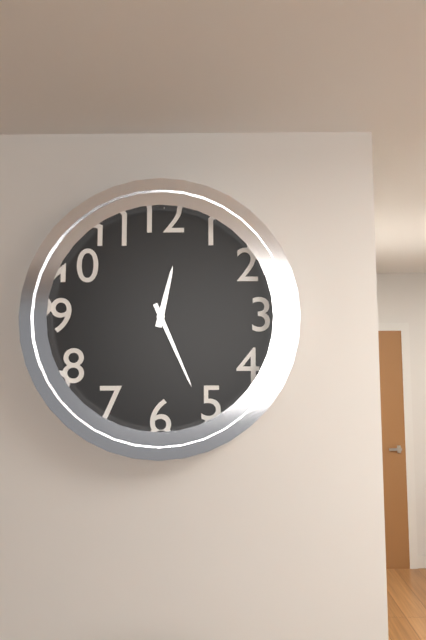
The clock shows 12.26
